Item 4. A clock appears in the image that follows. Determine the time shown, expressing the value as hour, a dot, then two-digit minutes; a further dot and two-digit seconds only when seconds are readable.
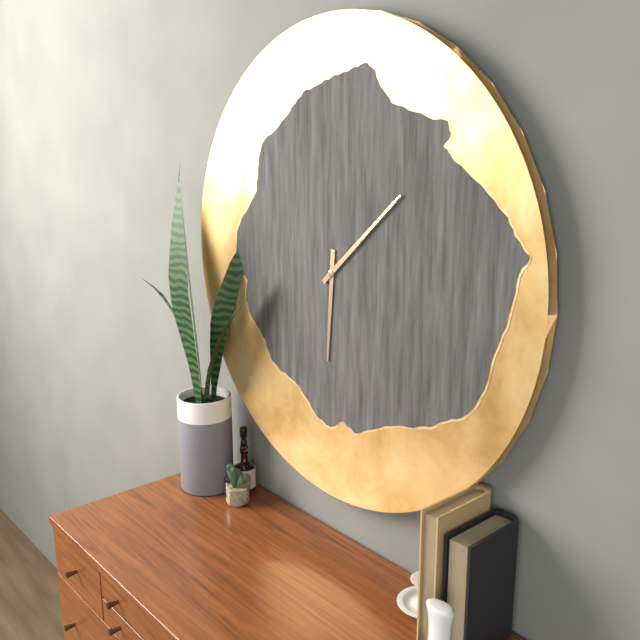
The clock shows 6.08
